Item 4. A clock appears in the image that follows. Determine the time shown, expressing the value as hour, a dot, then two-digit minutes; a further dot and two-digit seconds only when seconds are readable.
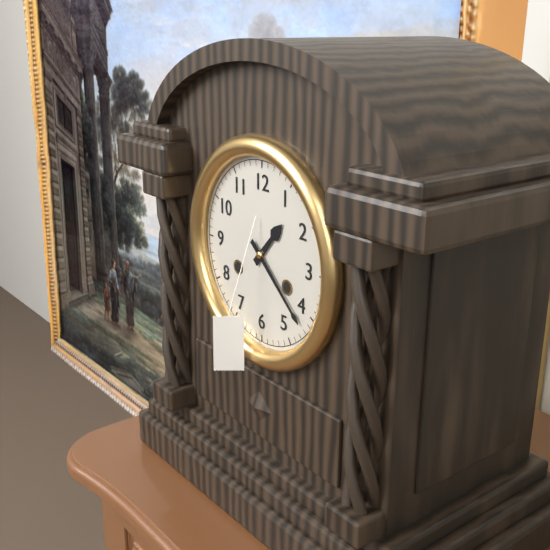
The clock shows 1.22
